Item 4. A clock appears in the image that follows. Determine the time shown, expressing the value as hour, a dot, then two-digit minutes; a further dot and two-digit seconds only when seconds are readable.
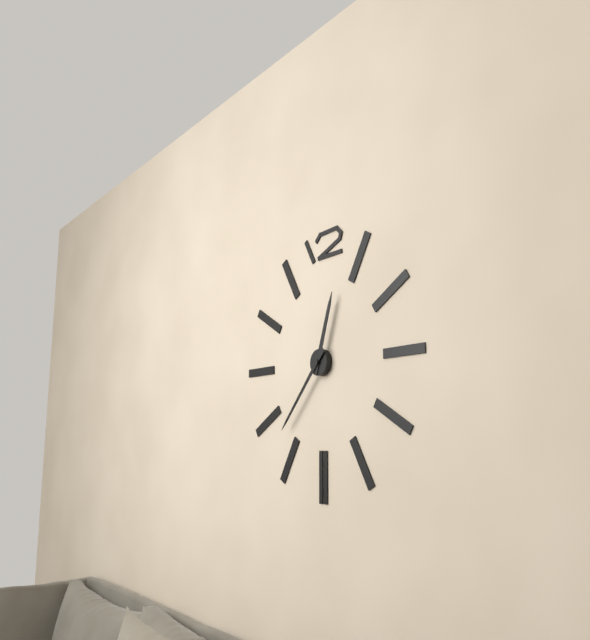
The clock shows 12.37
